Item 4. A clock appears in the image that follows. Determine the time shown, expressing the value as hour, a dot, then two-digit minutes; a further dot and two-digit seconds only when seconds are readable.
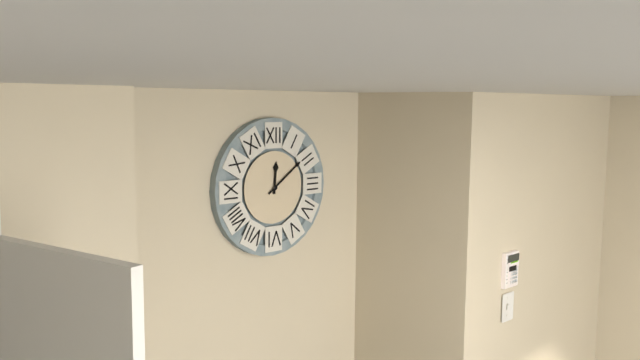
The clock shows 12.09
